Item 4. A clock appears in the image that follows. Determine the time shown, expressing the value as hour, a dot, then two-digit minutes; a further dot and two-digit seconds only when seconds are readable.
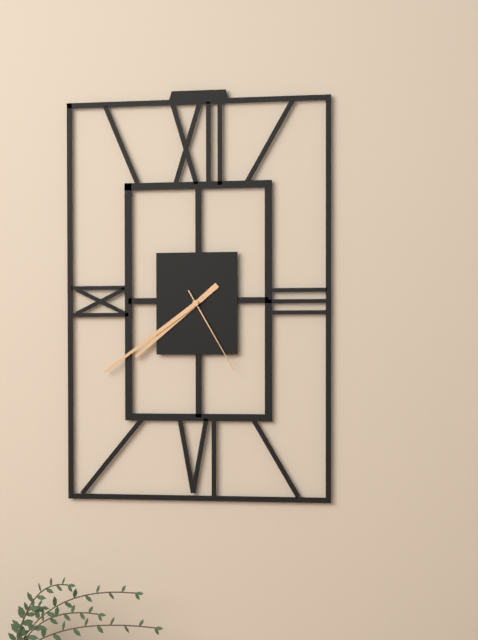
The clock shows 7.39.25
